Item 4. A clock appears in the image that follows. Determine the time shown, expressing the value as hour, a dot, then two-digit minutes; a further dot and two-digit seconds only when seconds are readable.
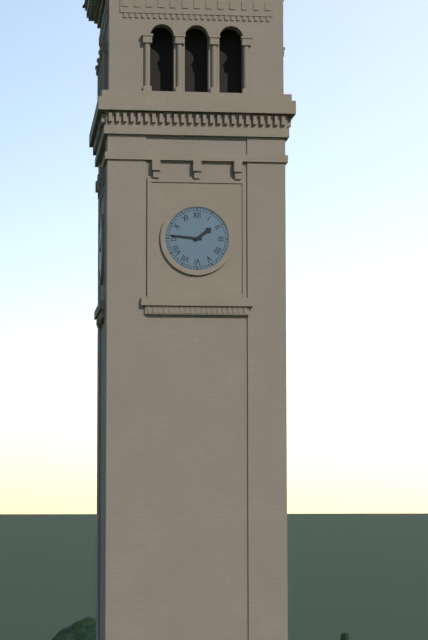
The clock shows 1.46
